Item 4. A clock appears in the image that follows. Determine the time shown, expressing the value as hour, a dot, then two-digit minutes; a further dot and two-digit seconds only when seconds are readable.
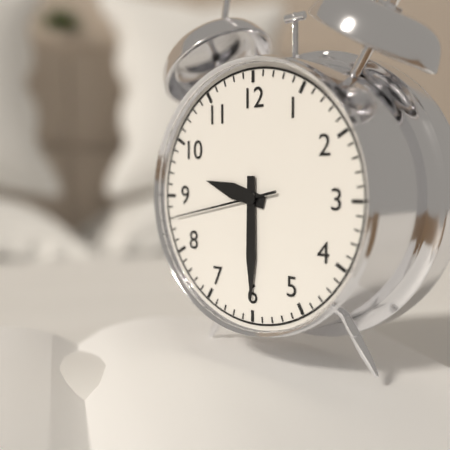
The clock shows 9.30.43
